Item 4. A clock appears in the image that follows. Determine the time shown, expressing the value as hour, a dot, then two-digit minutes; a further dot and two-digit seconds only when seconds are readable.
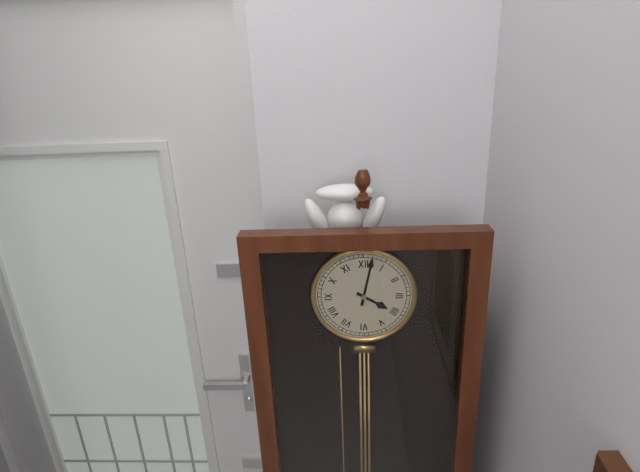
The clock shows 4.02
